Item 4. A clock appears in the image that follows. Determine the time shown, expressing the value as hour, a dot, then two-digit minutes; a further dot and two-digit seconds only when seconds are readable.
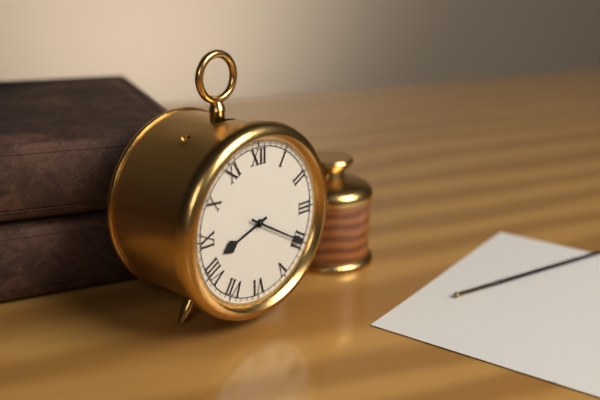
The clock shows 8.20
